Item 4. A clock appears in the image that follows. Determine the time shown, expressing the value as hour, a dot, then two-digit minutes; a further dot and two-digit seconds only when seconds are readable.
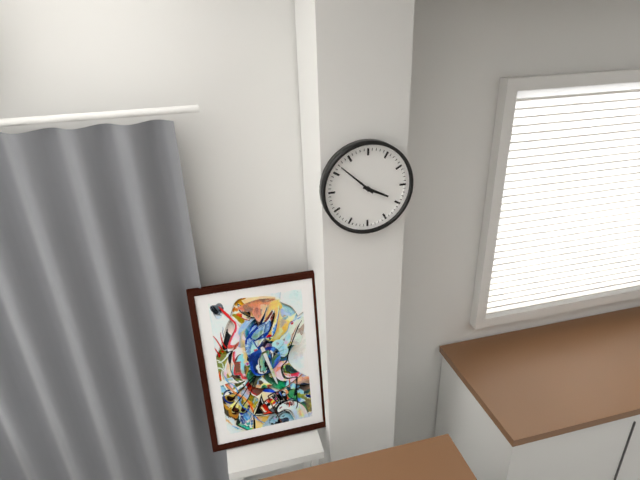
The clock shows 3.52
